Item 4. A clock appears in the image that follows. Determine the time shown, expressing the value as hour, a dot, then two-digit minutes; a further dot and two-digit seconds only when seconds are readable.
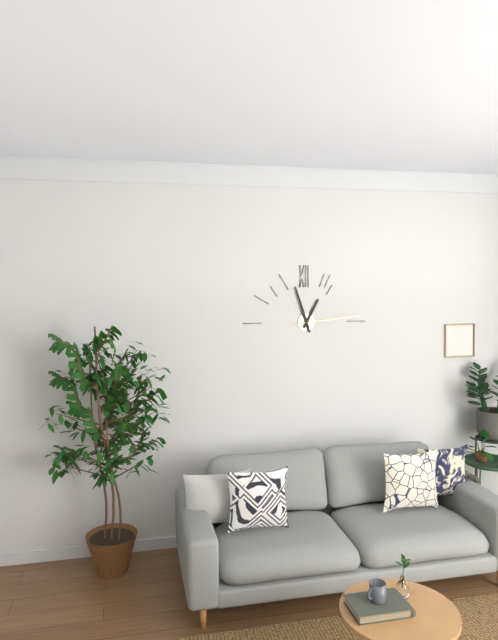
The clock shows 12.57.14
